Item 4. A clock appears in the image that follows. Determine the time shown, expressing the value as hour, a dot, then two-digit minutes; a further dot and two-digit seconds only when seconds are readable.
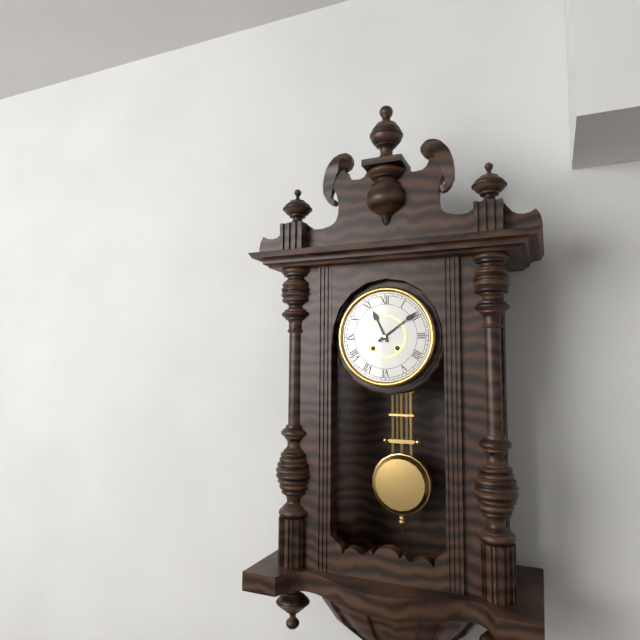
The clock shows 11.09
